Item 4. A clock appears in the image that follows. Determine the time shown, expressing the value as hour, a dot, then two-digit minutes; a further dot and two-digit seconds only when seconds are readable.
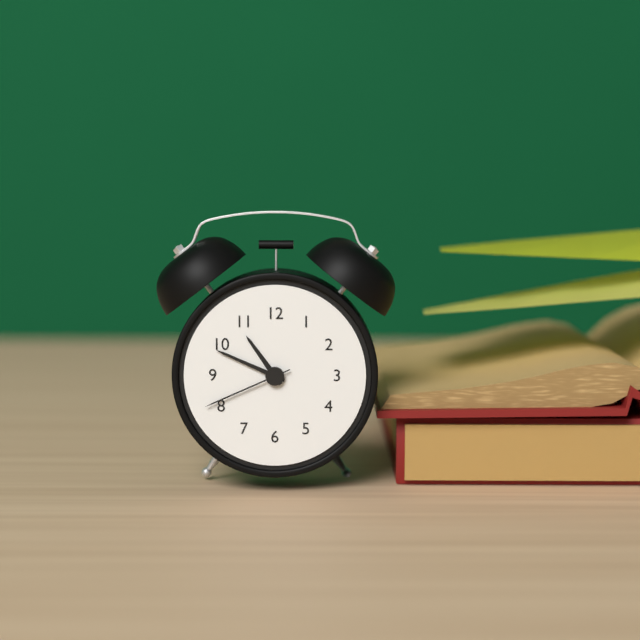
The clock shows 10.49.41
